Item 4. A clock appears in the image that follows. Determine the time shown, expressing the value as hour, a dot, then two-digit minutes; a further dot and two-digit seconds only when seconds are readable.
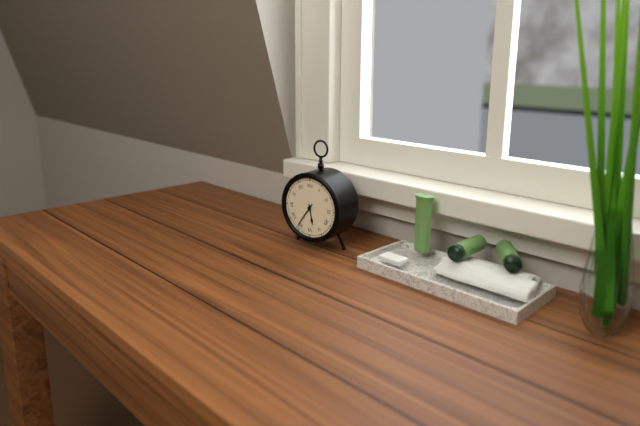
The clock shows 5.36
